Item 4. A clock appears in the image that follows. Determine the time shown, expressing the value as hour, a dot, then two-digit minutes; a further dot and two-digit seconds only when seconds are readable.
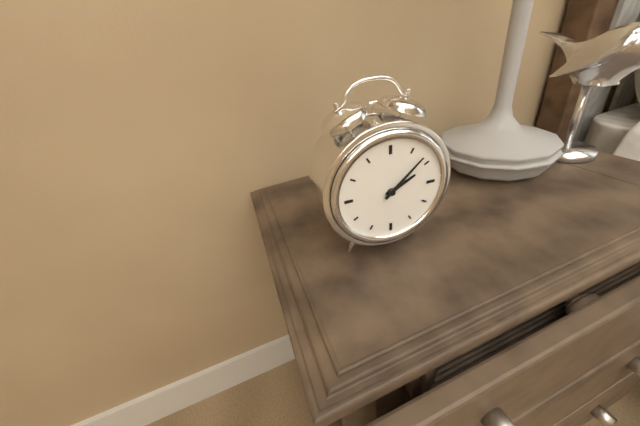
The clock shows 2.08
